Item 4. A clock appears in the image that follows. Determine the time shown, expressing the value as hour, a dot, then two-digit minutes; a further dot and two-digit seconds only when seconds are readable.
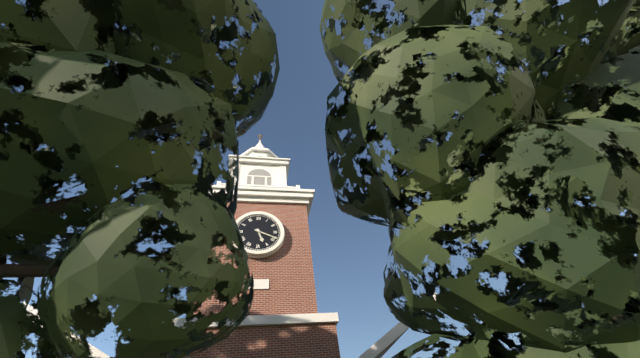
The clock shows 5.19
